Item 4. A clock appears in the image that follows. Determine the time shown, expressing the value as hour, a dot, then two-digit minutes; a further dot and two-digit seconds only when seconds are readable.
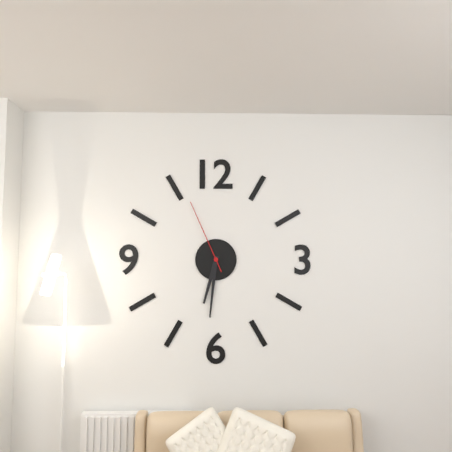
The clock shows 6.31.56
